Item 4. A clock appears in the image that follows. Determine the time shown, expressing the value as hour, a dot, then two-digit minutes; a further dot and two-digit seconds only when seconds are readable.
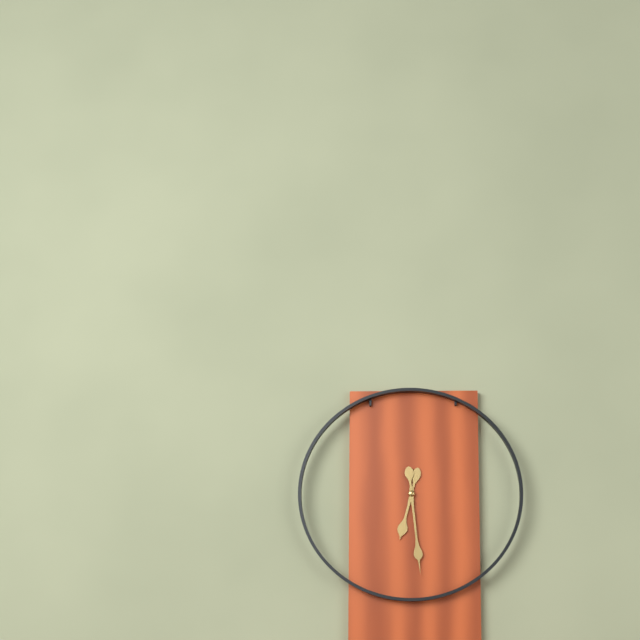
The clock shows 6.29
